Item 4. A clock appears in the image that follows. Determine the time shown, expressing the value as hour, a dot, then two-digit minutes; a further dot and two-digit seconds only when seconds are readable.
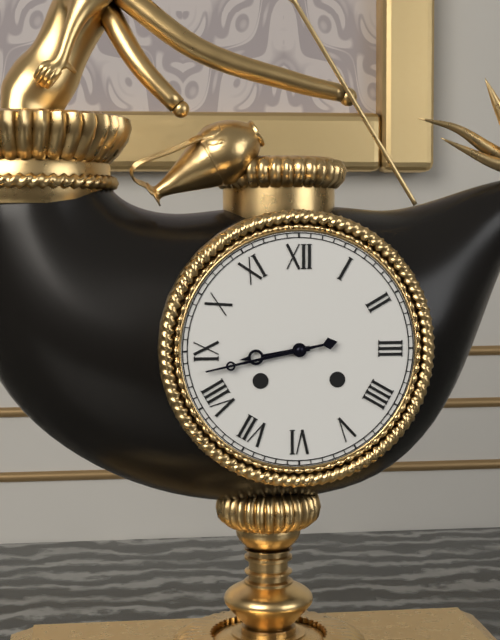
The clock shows 8.43
